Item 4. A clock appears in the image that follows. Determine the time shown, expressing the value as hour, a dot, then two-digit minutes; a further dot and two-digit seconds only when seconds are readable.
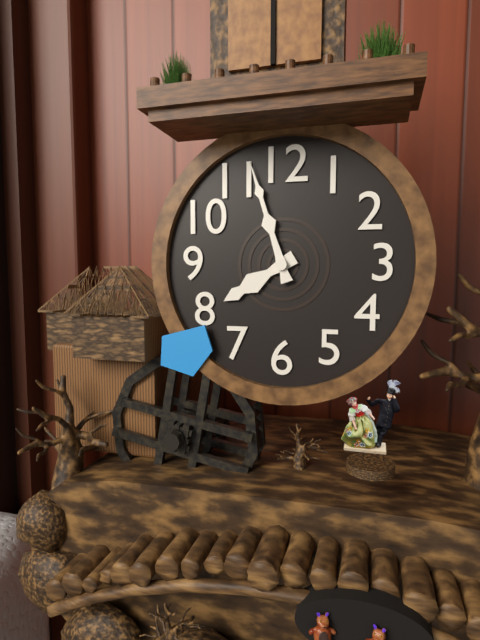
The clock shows 7.57
